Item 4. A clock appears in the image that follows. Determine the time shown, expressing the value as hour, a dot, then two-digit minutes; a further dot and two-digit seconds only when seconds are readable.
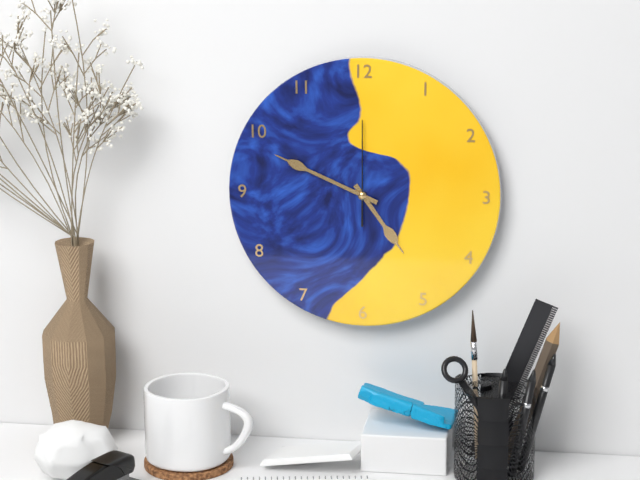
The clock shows 4.49.00
